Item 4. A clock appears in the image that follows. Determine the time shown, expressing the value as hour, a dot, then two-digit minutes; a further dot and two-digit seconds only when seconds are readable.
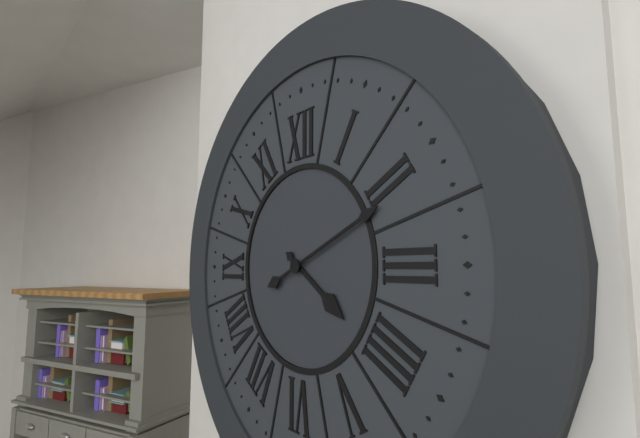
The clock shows 4.11
